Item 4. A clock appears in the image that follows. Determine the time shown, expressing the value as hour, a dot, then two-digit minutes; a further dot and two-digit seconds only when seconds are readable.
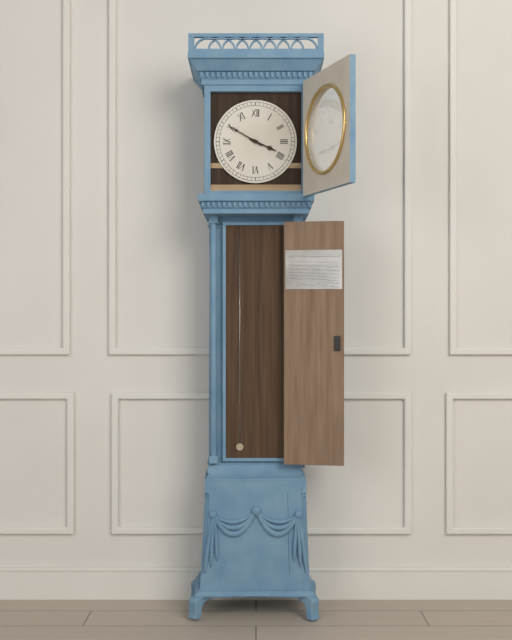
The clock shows 3.50
